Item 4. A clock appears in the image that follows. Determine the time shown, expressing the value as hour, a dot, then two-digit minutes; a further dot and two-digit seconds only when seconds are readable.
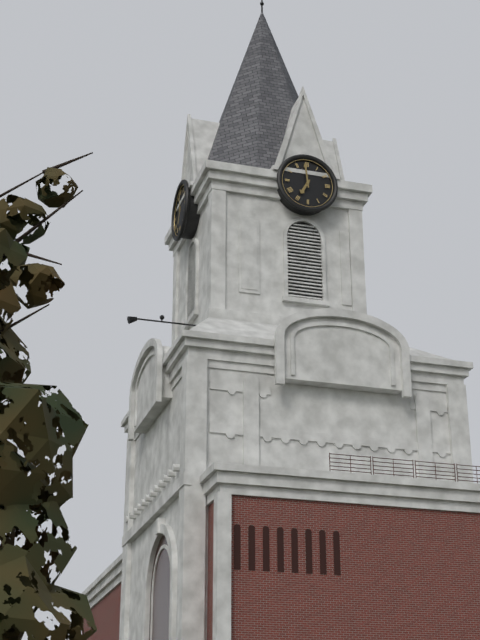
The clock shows 6.59
